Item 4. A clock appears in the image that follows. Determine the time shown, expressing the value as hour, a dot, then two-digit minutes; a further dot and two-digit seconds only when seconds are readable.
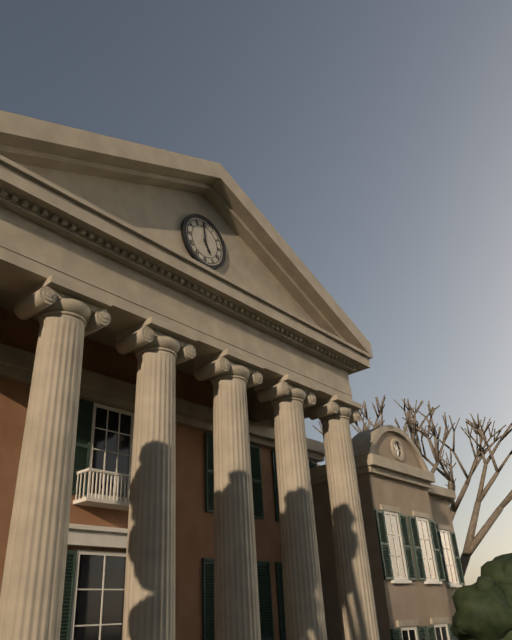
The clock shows 4.59
